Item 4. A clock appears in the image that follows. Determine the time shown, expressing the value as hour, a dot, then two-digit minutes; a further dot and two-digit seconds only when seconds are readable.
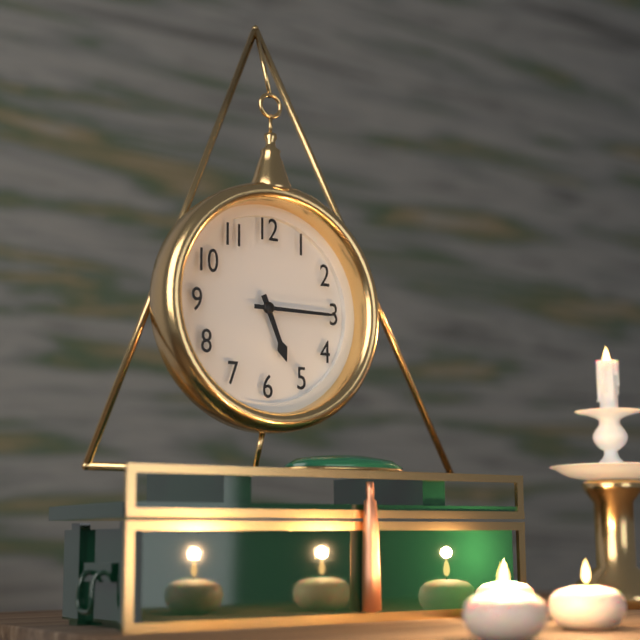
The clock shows 5.15
